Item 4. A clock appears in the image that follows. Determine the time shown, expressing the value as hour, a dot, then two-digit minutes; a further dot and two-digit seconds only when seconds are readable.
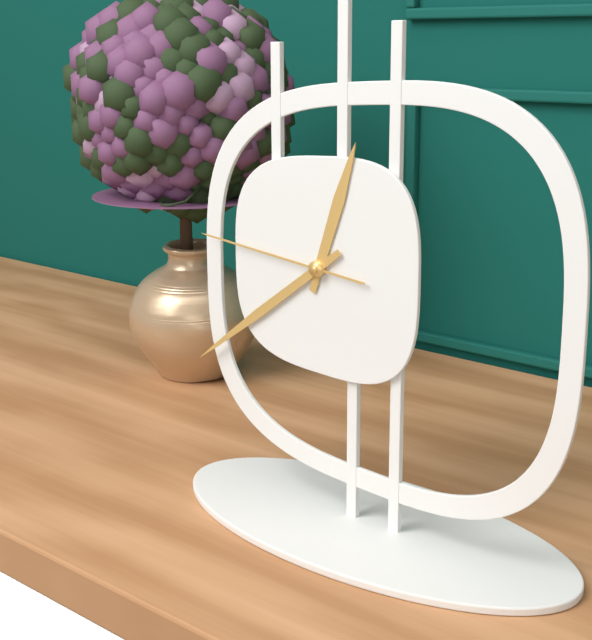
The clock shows 12.39.46
